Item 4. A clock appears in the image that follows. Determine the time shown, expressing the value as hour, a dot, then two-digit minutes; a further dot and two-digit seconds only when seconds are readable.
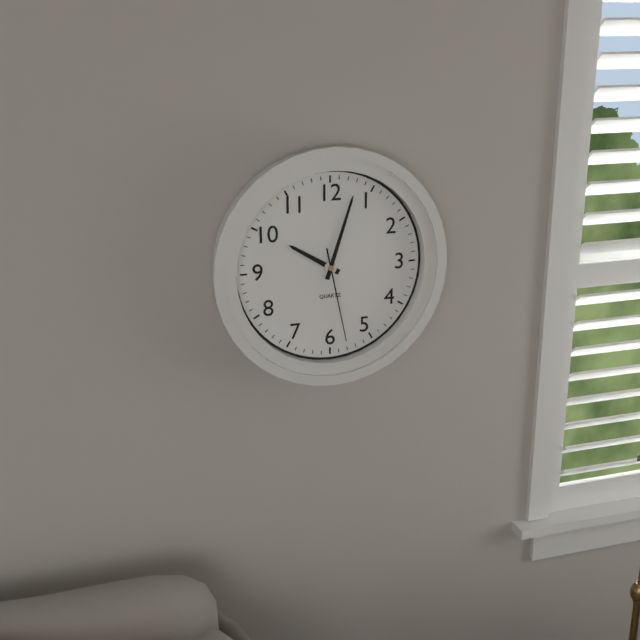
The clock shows 10.03.28
